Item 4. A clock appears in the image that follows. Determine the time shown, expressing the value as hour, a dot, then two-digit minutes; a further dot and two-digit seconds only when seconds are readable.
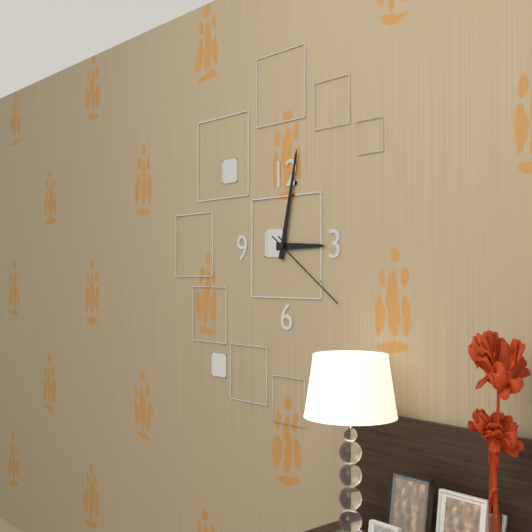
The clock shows 3.02.21
